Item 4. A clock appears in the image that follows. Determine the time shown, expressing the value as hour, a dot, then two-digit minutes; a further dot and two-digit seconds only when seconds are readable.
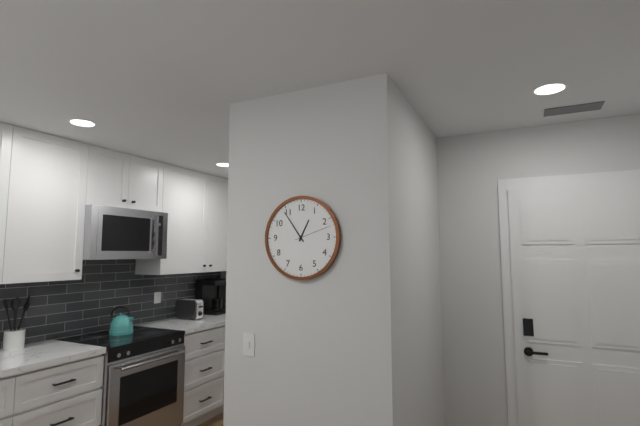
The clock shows 12.54
